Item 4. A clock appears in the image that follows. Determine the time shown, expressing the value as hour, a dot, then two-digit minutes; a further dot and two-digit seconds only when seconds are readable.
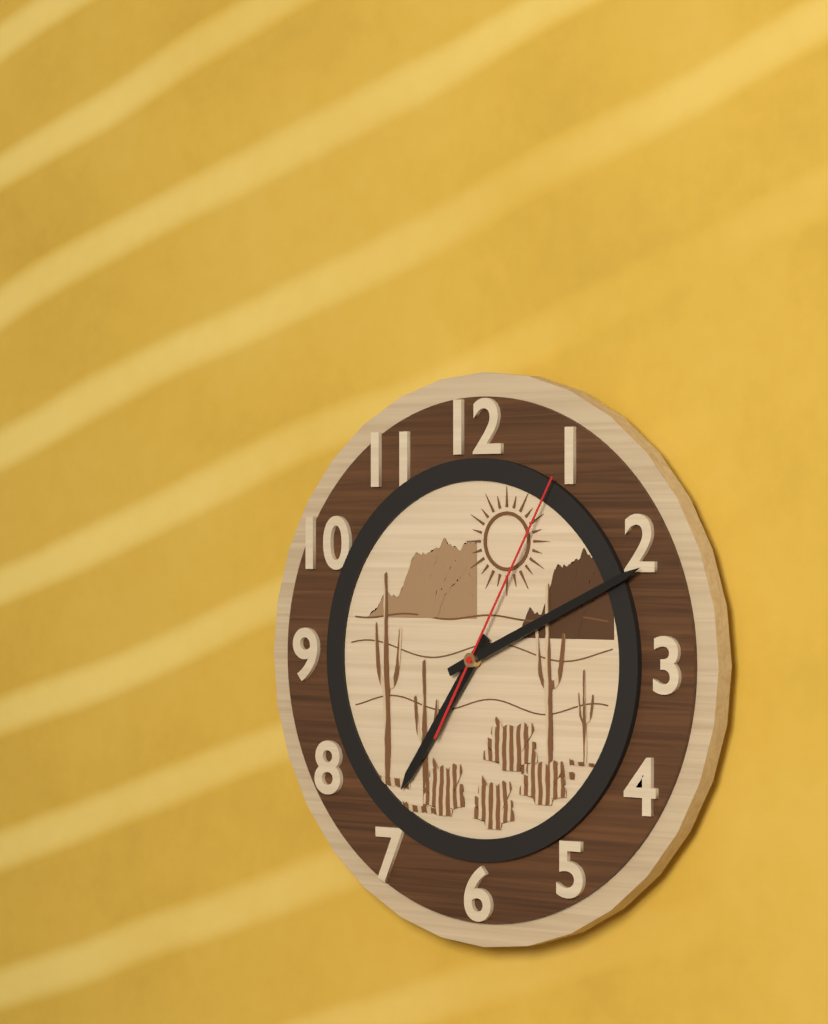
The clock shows 7.11.05
